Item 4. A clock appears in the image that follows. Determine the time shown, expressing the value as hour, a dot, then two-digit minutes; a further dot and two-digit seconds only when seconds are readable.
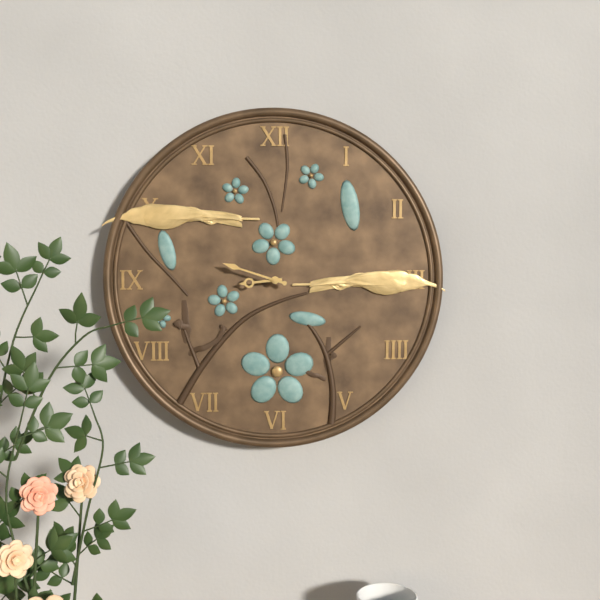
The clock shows 8.48
